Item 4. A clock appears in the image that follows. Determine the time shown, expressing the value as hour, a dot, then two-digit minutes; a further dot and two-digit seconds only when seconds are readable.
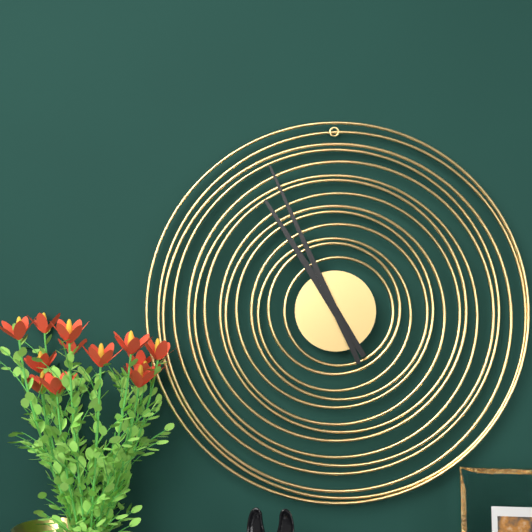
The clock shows 10.56
